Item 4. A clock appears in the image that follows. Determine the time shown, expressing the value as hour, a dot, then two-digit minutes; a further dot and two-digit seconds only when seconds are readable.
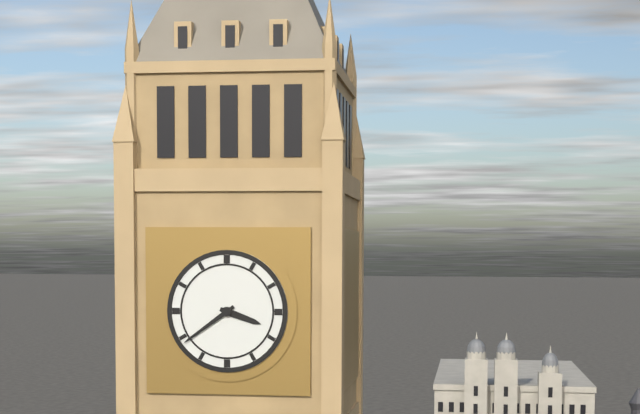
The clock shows 3.39
